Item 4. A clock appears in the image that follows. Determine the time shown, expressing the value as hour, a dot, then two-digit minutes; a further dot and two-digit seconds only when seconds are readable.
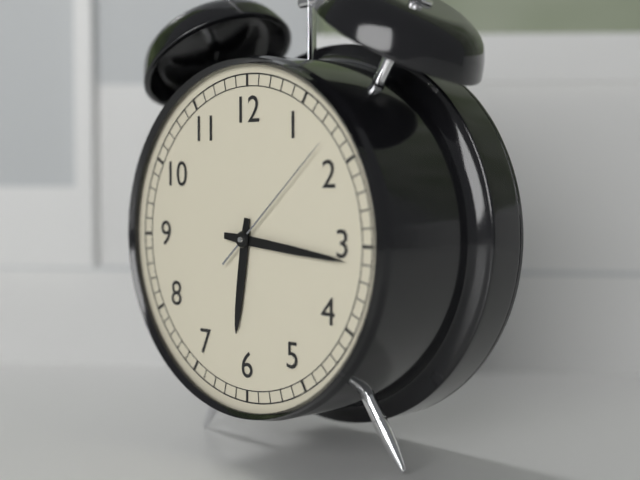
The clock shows 6.16.08
